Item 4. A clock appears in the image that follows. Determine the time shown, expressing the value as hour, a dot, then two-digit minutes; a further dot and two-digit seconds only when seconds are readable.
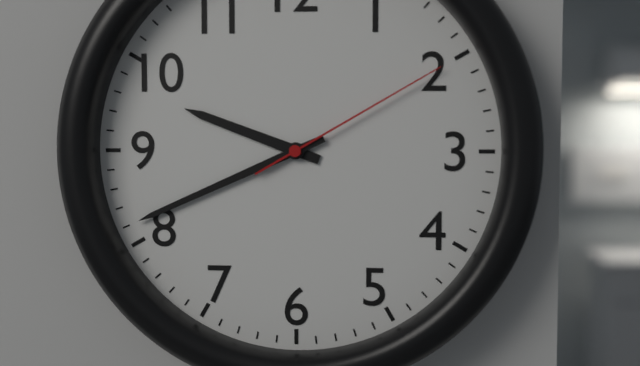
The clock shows 9.41.10
